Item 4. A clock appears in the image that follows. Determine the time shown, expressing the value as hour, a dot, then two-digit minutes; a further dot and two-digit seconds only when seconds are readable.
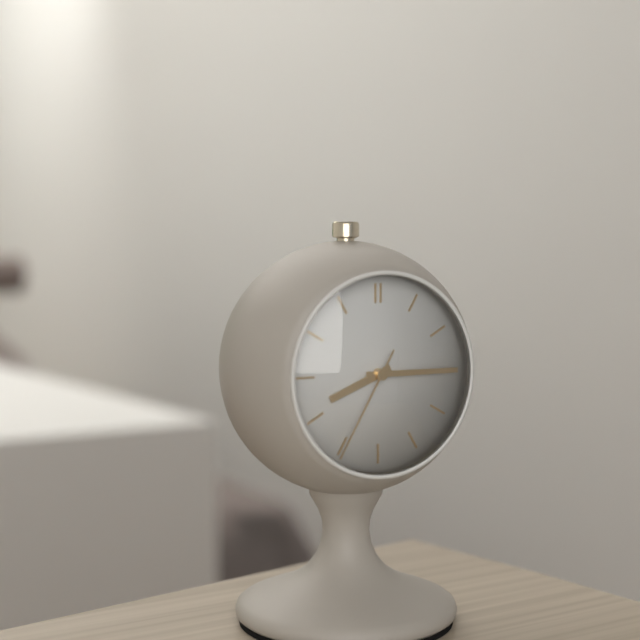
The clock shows 8.15.35
